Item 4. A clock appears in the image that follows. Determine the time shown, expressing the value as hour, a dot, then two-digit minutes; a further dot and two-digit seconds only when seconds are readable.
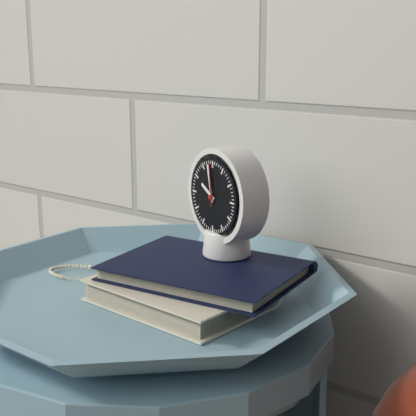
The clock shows 9.58
